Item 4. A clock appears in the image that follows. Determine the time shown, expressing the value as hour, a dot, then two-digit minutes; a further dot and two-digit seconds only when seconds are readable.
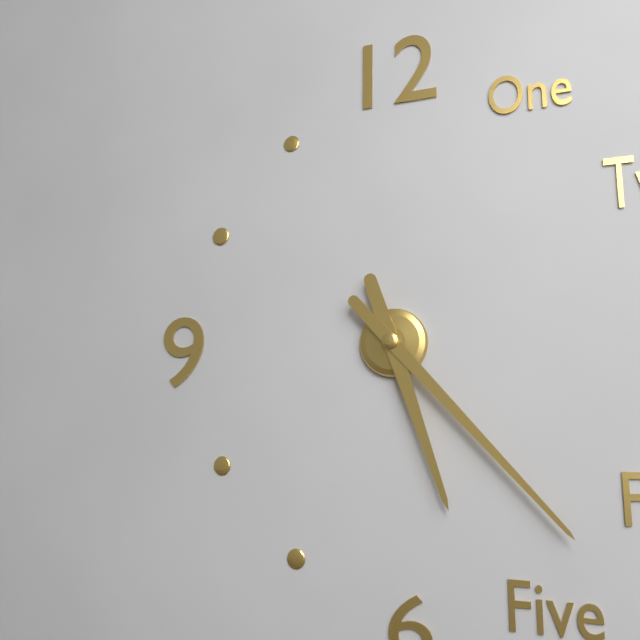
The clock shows 5.23
